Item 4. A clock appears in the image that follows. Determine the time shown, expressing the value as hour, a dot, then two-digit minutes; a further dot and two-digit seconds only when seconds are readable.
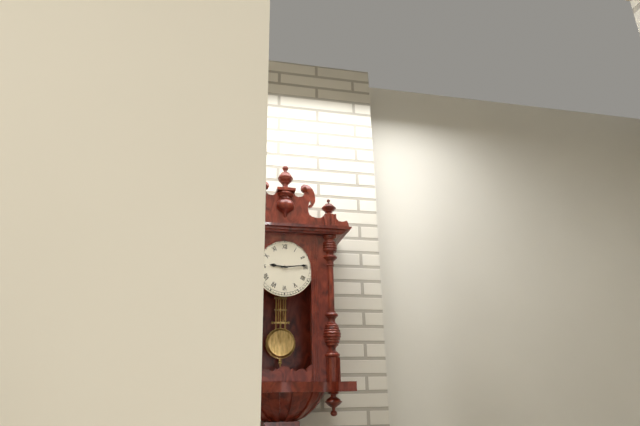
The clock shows 9.14
